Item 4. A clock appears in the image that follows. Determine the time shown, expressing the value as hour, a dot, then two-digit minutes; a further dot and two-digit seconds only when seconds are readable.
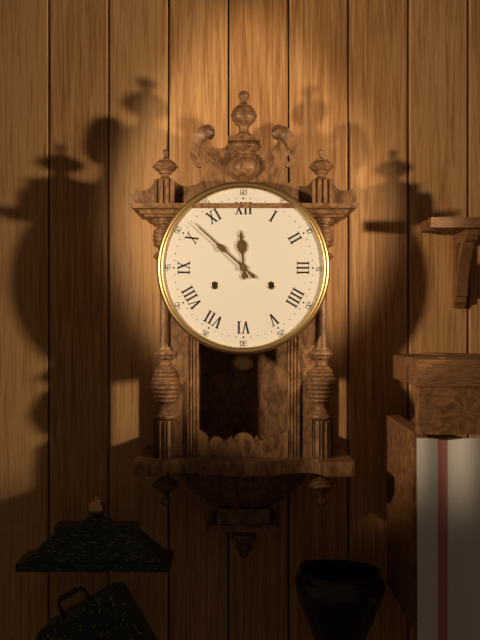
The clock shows 11.52
